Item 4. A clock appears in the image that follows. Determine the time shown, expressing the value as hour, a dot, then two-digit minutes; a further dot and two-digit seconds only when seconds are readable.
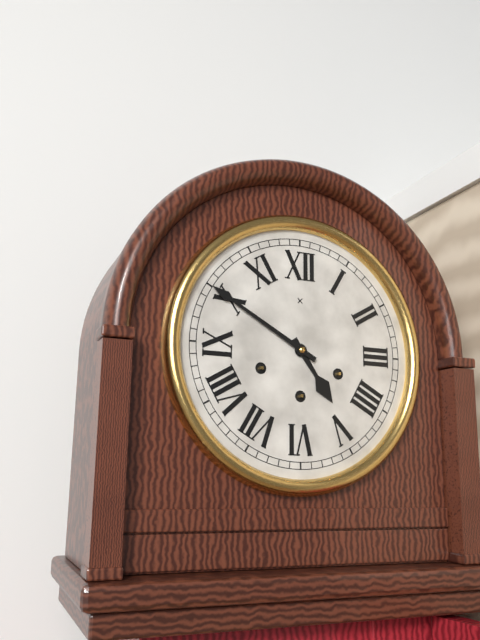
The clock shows 4.50
